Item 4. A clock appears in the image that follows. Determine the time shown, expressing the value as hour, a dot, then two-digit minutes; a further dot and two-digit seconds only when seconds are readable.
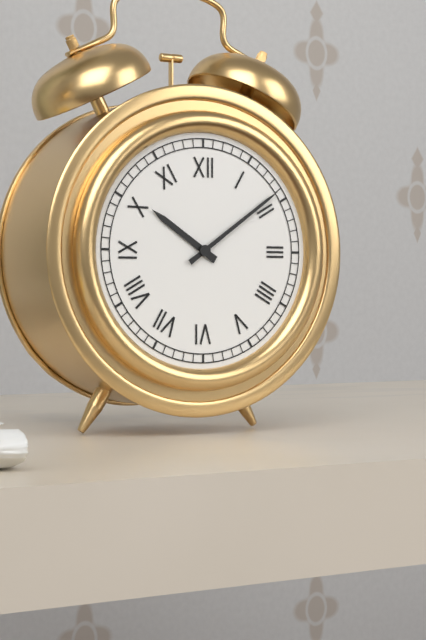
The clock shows 10.09
